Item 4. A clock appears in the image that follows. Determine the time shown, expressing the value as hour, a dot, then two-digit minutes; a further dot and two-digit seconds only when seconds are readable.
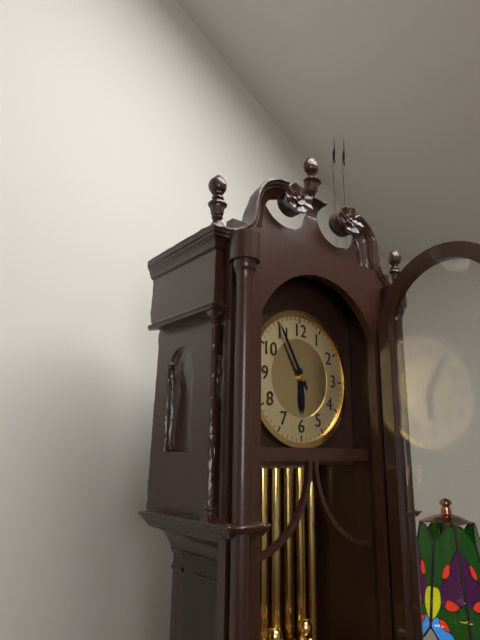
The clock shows 5.55
